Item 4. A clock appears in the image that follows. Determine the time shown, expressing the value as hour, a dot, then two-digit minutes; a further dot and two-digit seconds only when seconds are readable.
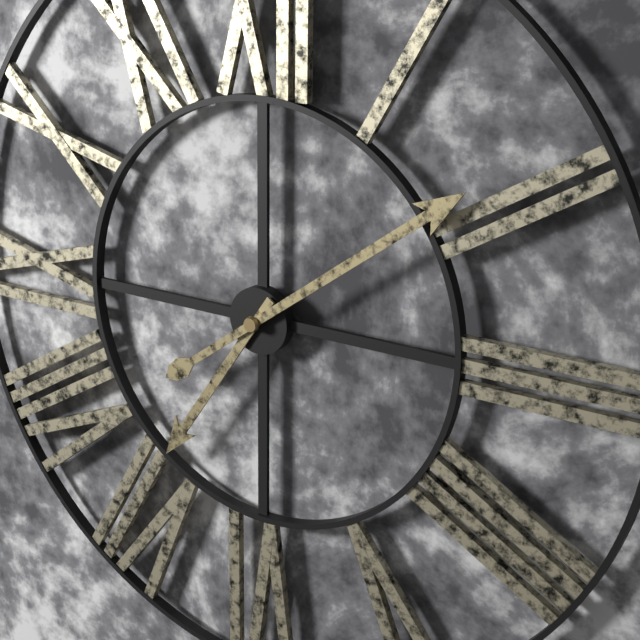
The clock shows 7.09
